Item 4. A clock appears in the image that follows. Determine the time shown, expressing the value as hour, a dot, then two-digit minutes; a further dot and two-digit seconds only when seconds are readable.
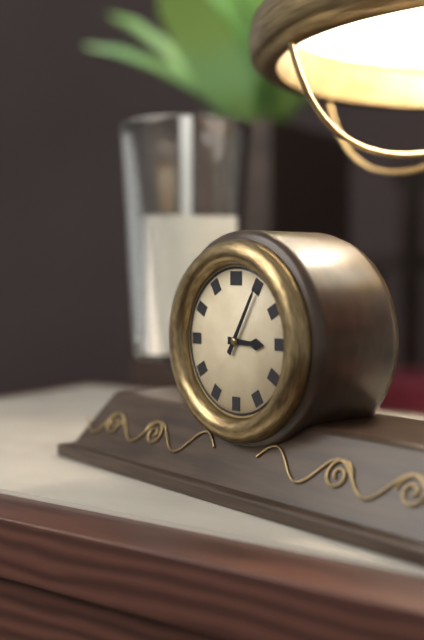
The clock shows 3.05
